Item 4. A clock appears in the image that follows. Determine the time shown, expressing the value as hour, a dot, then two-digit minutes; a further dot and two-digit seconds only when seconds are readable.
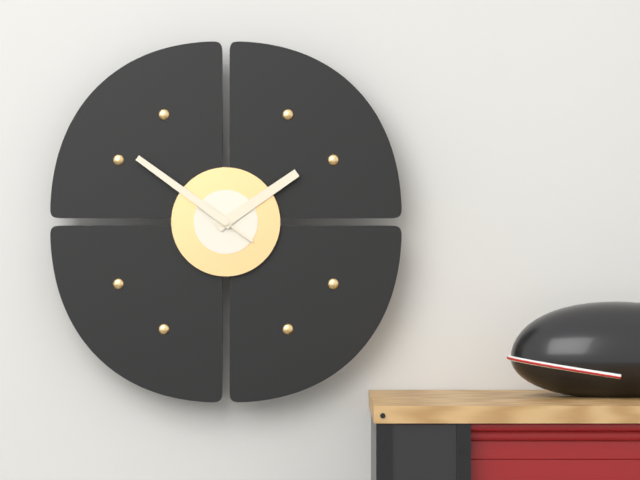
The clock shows 1.51
